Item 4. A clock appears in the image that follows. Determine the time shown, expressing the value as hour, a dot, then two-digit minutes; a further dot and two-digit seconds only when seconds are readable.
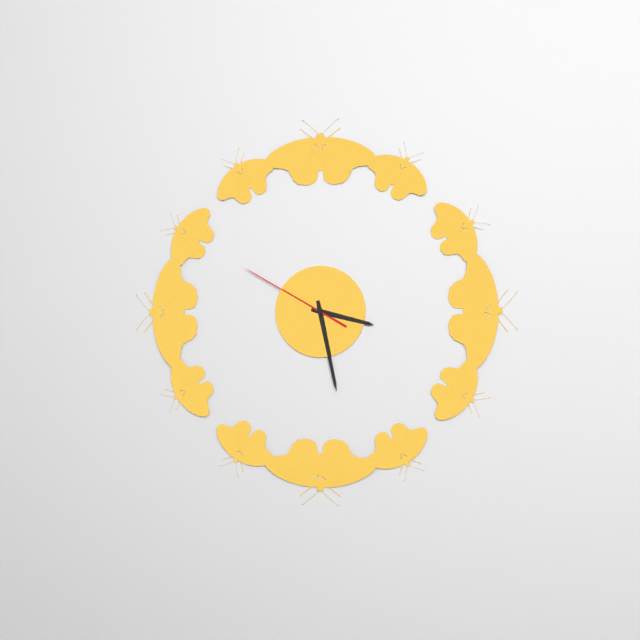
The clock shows 3.28.50
